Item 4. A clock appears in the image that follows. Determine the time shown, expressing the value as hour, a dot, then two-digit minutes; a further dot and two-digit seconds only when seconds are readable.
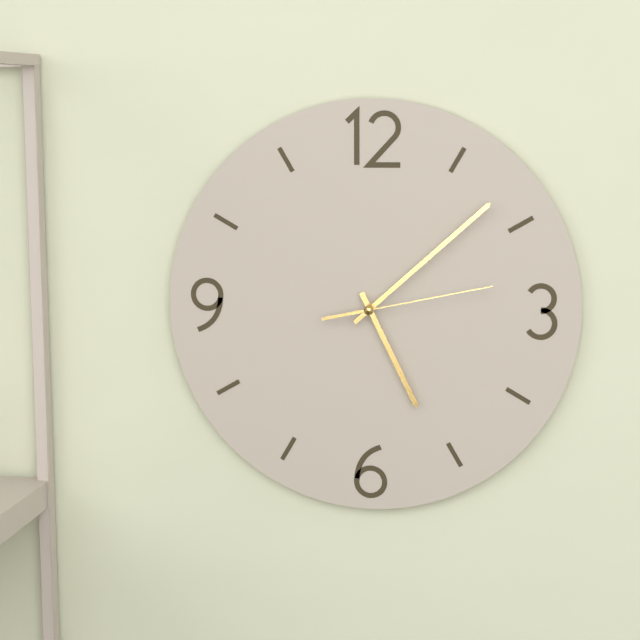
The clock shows 5.08.13
